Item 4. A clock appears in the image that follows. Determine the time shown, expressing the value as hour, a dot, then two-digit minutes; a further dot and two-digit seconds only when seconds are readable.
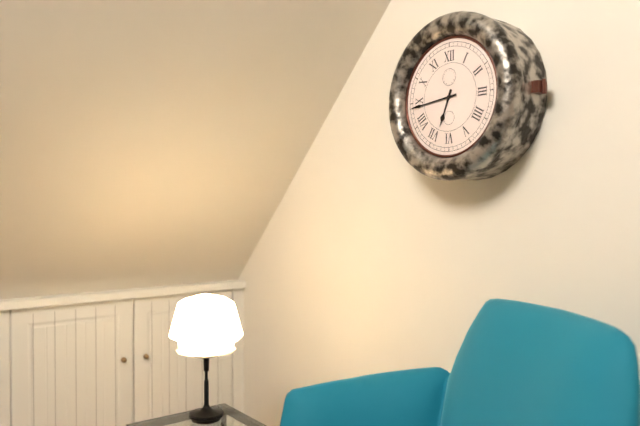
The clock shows 6.44
